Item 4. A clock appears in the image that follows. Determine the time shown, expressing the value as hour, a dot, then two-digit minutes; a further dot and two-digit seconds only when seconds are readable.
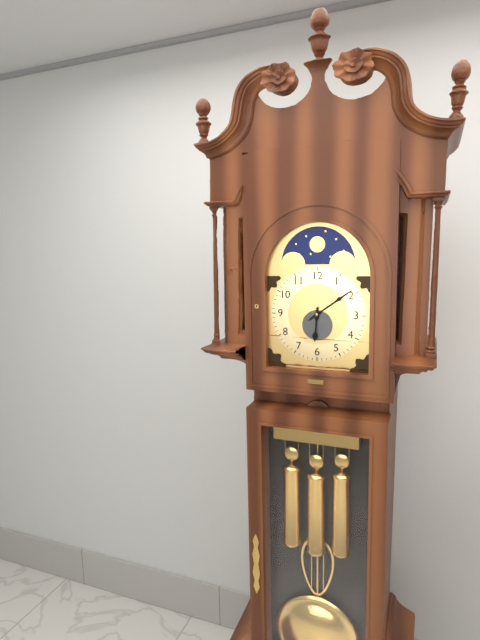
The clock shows 6.09
